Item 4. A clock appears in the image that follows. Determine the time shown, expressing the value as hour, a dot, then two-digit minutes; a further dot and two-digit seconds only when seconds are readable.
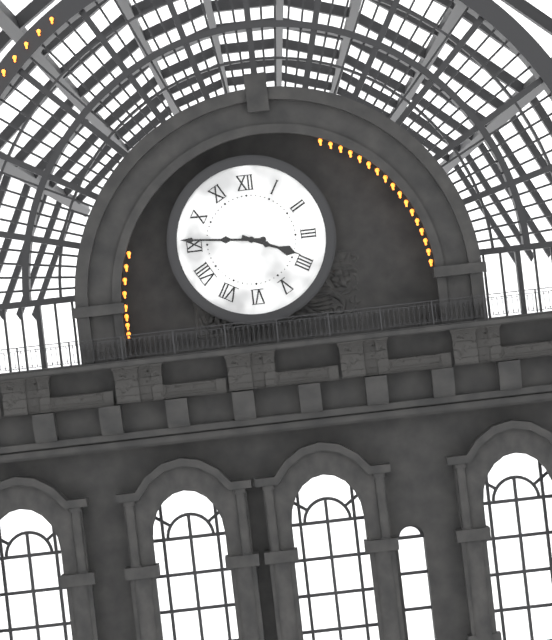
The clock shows 3.46
